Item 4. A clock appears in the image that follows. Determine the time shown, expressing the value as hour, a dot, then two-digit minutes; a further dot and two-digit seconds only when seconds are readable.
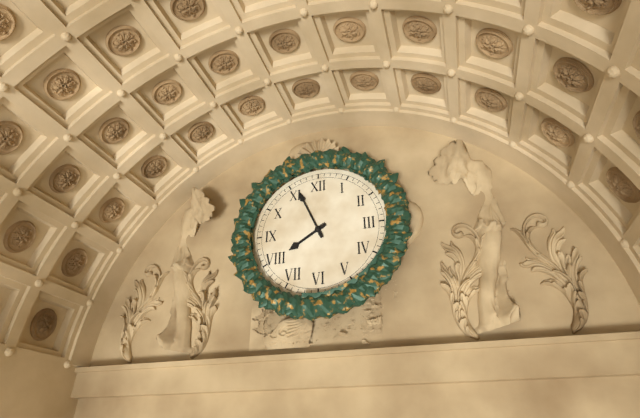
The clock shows 7.56
